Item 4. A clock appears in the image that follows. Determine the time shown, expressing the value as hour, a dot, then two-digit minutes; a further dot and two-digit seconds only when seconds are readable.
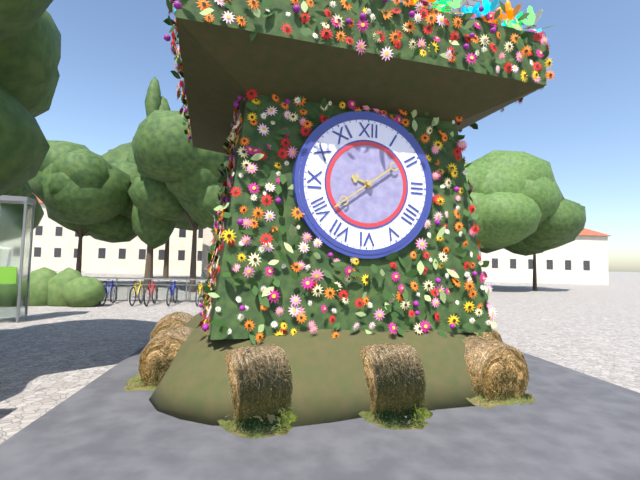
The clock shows 9.39
